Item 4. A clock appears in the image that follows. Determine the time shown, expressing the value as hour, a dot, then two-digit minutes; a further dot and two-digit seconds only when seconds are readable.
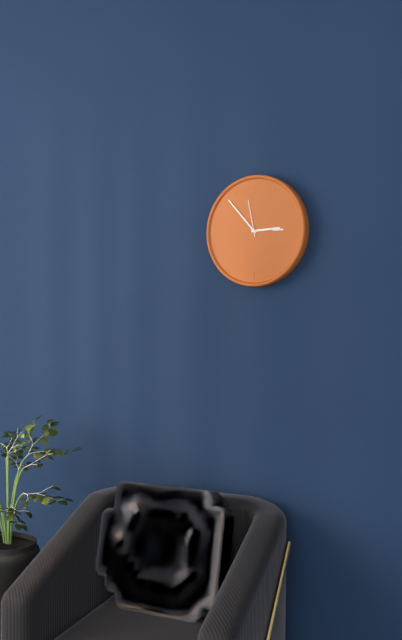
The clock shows 2.53
